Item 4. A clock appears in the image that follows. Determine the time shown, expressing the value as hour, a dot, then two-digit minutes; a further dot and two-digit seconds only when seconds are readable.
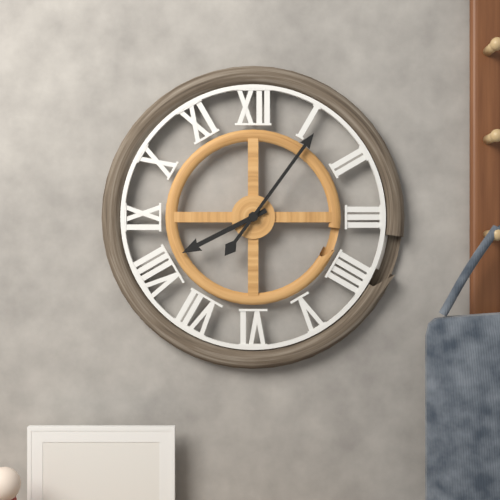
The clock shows 8.06
